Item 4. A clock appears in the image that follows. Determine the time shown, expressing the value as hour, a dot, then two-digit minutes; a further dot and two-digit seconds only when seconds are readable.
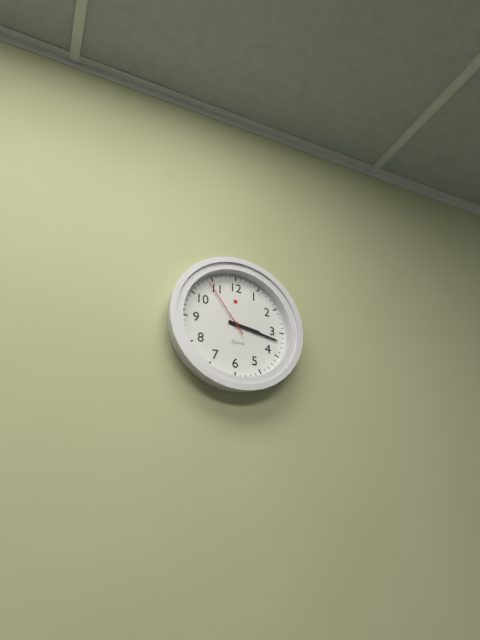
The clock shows 3.17.54
